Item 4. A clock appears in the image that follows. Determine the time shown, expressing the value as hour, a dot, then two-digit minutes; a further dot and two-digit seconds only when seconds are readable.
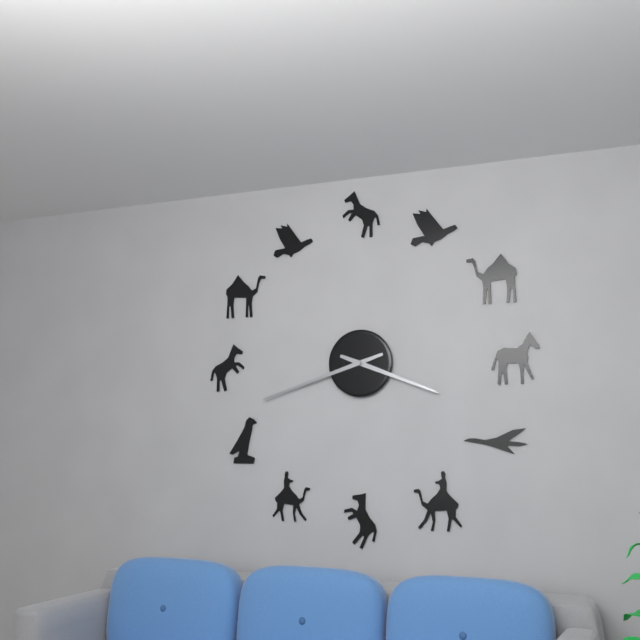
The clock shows 3.42
